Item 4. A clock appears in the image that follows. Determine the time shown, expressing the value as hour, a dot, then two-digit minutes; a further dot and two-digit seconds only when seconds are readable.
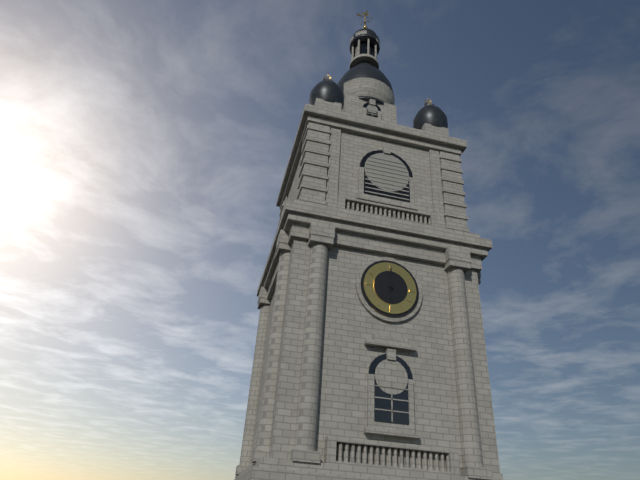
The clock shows 6.00
